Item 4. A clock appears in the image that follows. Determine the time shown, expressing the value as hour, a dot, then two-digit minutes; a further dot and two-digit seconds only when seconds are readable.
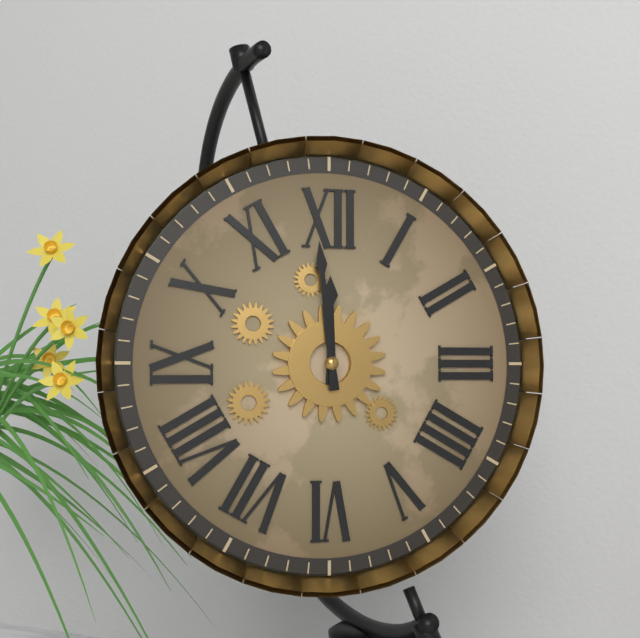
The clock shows 11.59
